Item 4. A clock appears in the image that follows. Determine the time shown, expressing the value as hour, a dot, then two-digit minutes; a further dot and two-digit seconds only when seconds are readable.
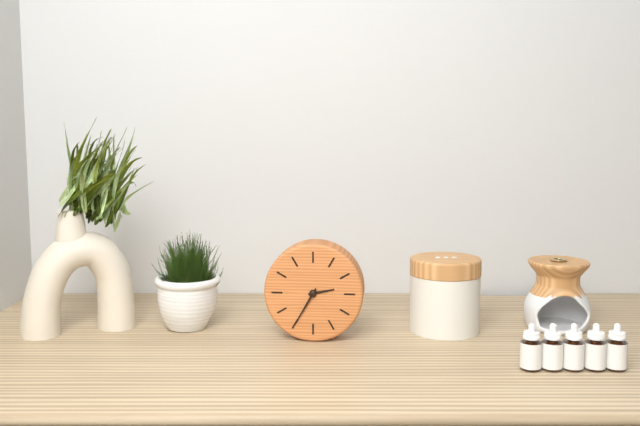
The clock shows 2.35
